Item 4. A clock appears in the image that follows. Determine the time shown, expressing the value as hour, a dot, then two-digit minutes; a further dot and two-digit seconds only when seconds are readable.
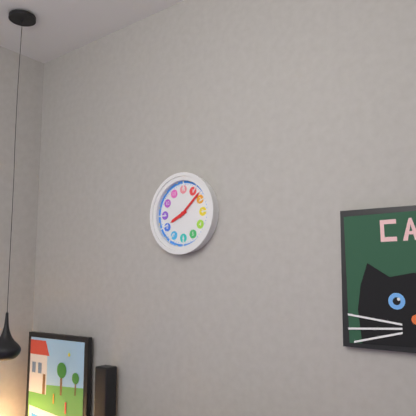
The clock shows 8.08
